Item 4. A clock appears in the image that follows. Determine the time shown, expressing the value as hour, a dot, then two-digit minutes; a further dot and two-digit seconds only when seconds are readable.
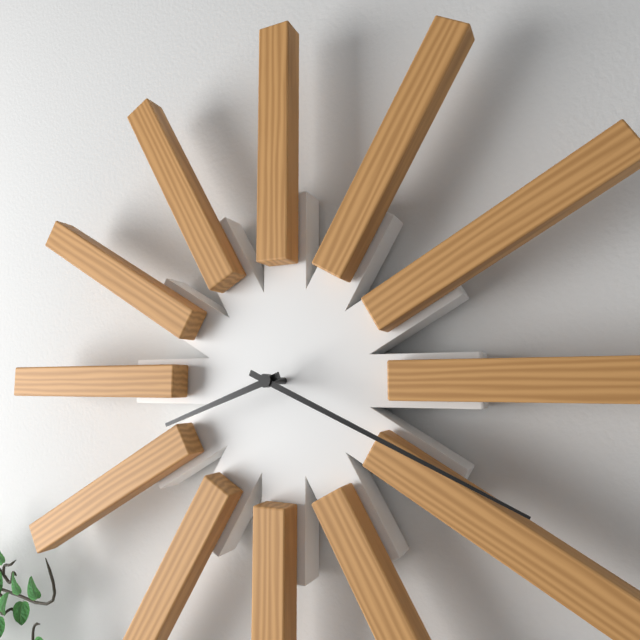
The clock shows 8.19
